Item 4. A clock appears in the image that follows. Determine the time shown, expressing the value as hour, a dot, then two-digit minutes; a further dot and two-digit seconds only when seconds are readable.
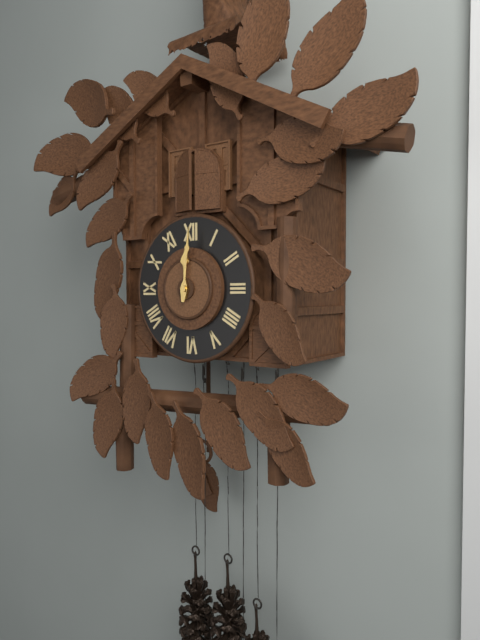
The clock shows 12.01
